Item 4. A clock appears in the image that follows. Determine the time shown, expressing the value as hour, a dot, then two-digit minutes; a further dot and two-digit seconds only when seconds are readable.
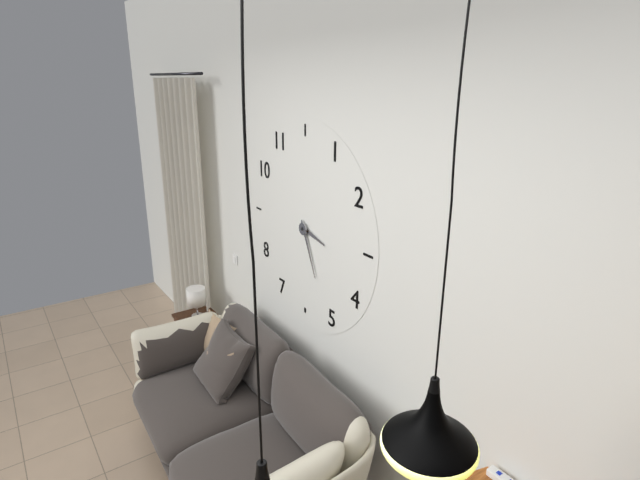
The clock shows 3.26
